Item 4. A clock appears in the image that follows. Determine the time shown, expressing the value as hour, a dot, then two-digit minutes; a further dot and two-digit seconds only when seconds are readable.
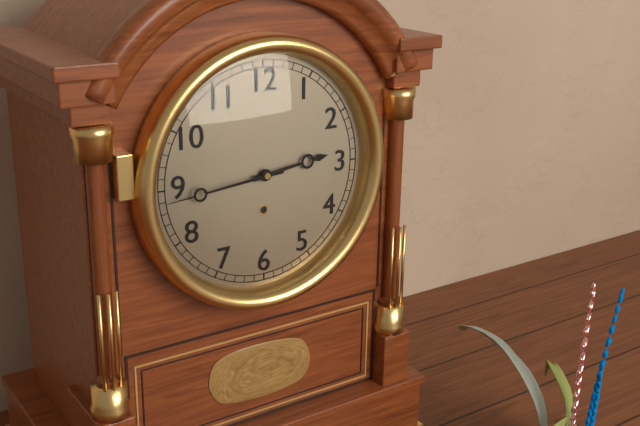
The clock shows 2.44
